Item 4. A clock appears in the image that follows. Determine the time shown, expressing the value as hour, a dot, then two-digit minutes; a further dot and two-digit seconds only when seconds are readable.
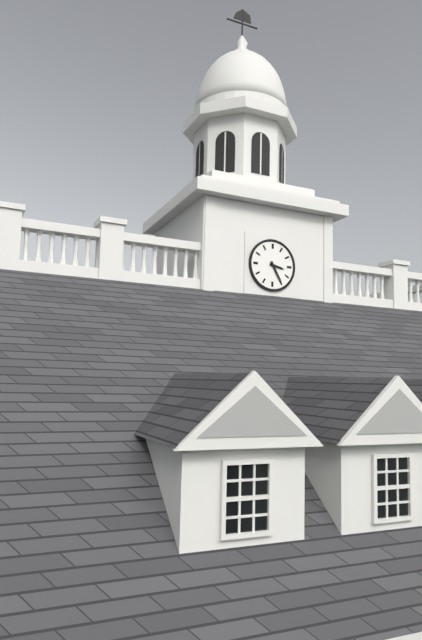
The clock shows 3.25
